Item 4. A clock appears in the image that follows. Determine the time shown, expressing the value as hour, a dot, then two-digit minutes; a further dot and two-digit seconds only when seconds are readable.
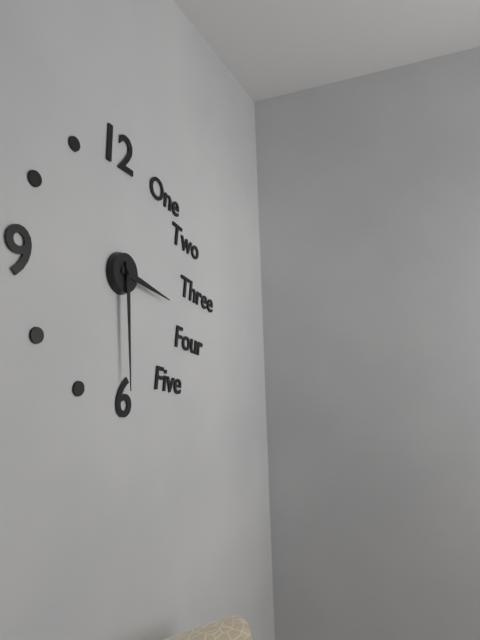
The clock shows 3.30
